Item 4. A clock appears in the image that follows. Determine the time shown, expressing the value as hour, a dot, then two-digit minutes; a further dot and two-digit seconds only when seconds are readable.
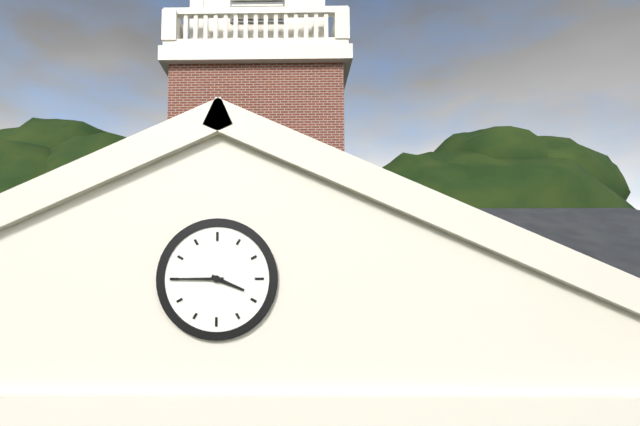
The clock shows 3.45
